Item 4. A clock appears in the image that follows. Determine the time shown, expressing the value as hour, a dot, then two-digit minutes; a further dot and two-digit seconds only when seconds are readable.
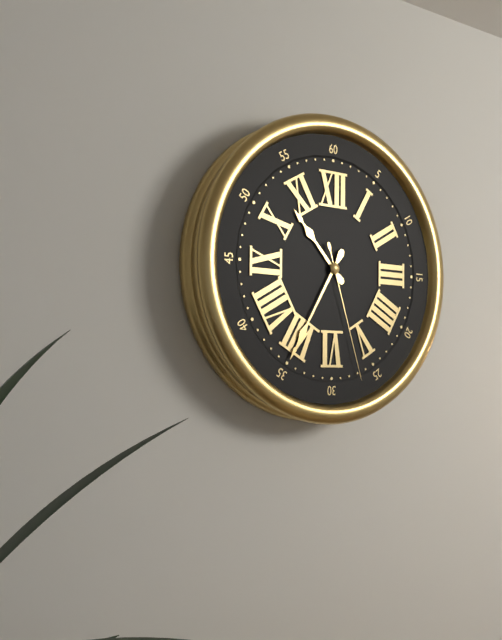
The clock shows 10.35.27
